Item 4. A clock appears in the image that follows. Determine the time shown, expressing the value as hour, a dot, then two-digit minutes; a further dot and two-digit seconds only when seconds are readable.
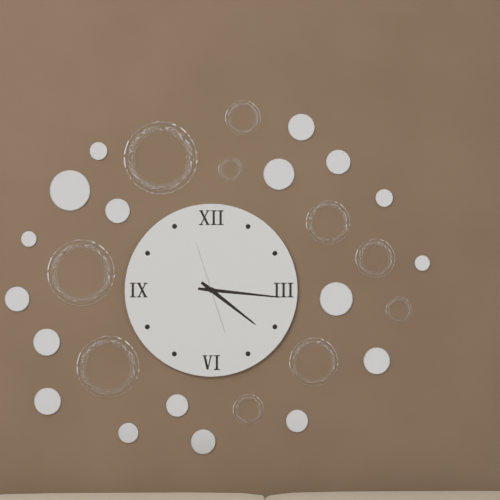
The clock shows 4.16.57
